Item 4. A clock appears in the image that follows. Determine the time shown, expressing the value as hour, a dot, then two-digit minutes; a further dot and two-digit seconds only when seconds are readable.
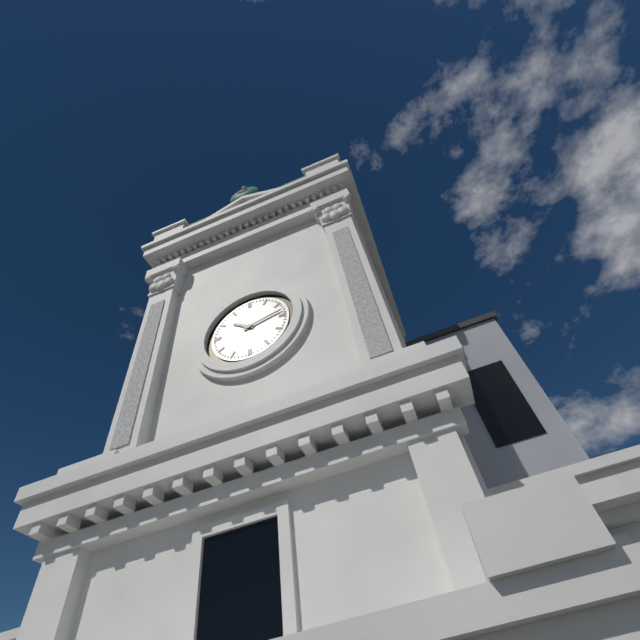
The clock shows 10.13
